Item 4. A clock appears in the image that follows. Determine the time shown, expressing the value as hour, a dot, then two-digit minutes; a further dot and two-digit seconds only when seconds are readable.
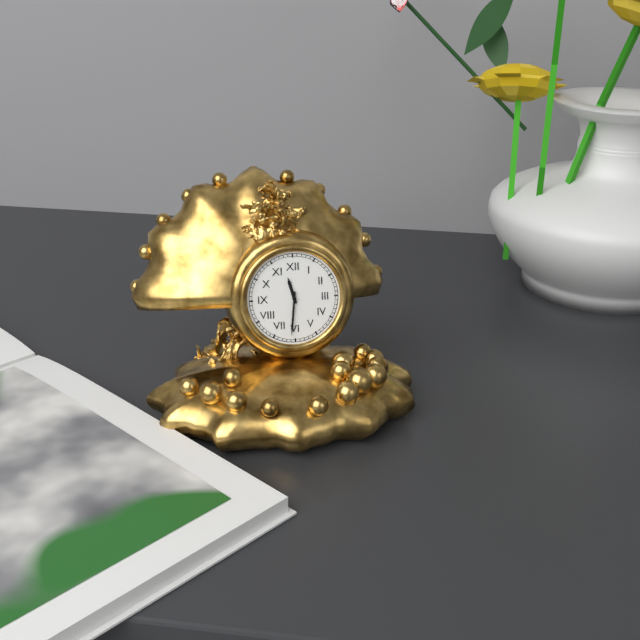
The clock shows 11.31
